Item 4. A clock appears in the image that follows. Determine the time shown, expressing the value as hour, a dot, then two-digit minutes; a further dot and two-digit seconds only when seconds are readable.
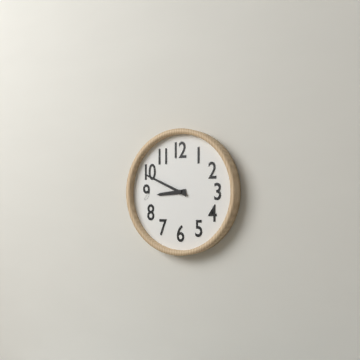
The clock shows 8.49
